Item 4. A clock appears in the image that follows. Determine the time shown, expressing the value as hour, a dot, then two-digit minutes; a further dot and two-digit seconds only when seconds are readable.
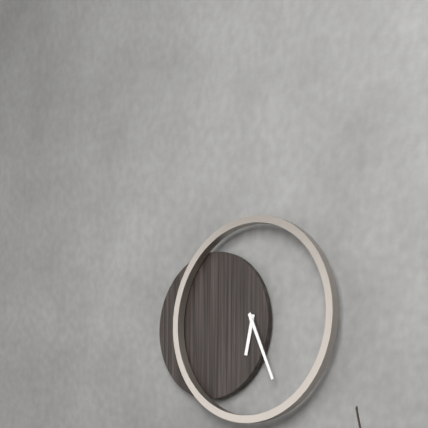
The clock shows 6.26
